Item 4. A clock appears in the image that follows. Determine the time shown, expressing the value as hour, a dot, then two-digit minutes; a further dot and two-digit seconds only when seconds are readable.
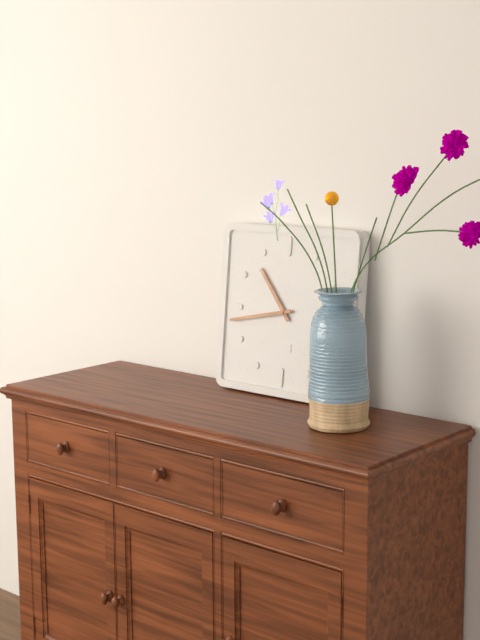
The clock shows 10.43
